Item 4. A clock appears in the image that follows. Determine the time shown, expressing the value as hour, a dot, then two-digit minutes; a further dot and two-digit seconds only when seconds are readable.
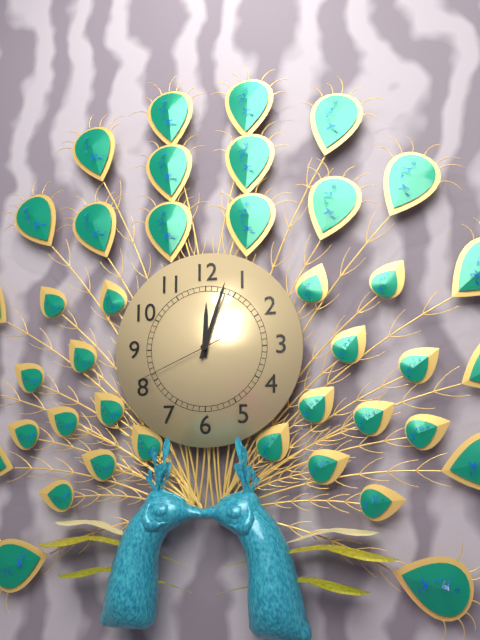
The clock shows 12.03.41
